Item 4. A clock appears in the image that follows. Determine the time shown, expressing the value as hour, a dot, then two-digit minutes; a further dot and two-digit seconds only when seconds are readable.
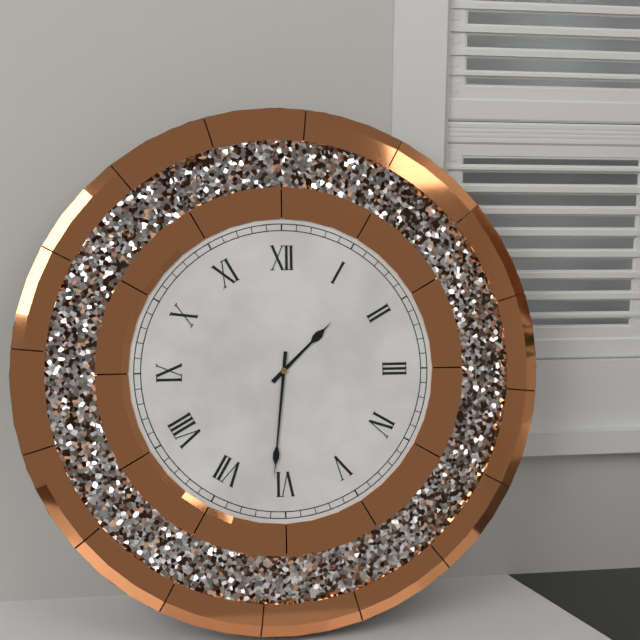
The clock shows 1.31
